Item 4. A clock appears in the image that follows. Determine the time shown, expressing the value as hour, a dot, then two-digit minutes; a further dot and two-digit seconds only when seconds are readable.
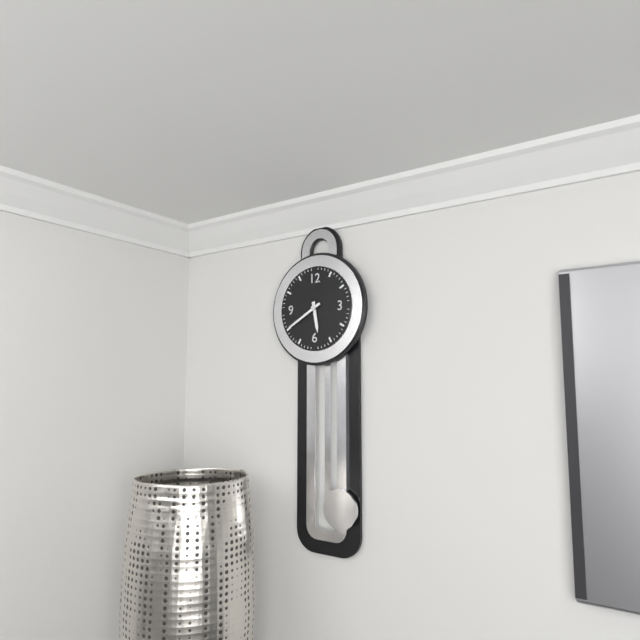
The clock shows 5.40
